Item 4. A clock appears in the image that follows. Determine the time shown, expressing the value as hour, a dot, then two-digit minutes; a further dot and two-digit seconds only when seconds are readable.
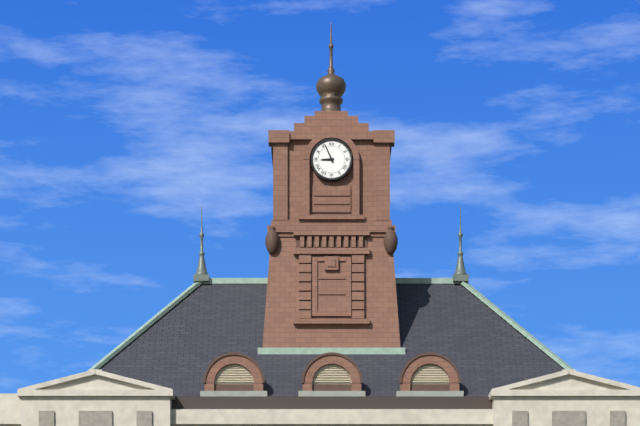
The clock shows 8.56
